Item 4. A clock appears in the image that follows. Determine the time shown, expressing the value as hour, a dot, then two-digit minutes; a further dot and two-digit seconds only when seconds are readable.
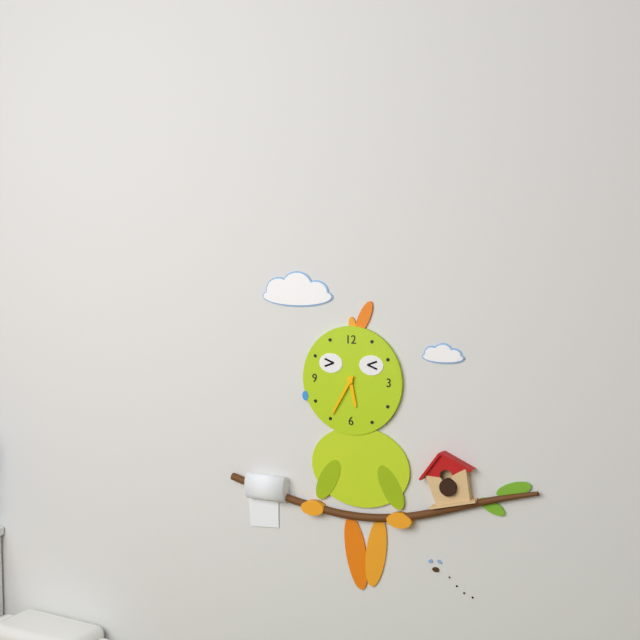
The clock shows 5.35
